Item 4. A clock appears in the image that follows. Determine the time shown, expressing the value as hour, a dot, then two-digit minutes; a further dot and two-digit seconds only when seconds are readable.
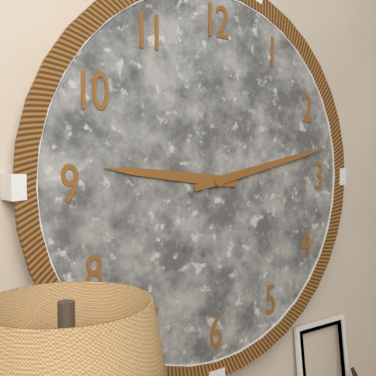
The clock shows 9.13
